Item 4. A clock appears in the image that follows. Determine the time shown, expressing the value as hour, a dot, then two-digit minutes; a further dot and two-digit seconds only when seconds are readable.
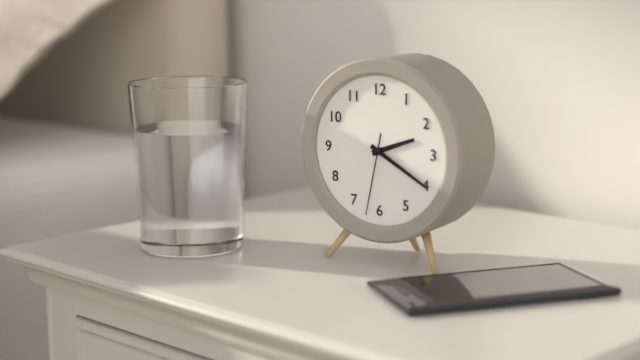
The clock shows 2.20.32
